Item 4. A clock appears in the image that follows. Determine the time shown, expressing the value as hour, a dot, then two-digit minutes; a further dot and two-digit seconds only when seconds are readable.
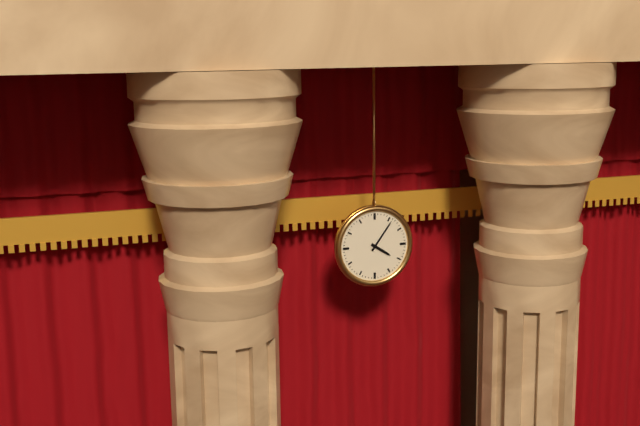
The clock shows 4.06
